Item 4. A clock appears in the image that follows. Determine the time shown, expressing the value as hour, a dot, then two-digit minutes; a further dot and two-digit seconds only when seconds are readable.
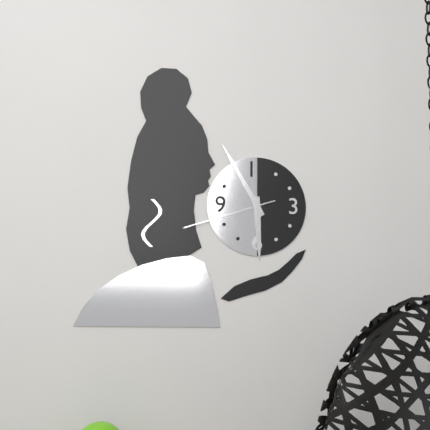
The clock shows 5.55.42
